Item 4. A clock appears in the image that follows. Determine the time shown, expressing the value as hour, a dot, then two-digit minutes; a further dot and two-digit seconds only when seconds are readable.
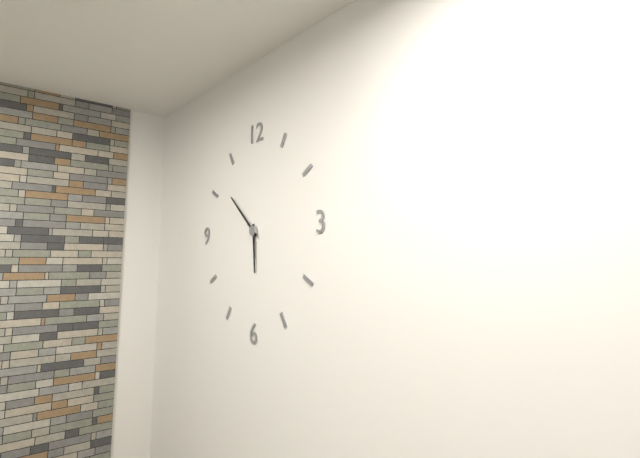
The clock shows 5.52
